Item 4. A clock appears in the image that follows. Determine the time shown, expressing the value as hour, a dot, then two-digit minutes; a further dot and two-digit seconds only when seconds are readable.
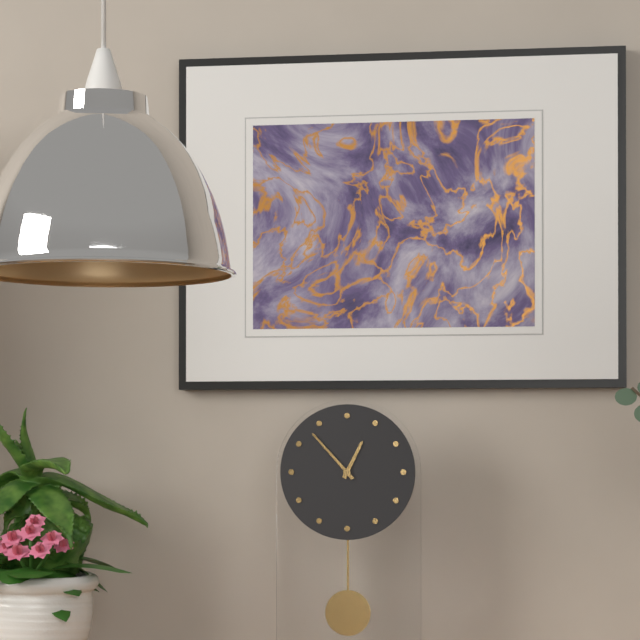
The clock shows 12.53
